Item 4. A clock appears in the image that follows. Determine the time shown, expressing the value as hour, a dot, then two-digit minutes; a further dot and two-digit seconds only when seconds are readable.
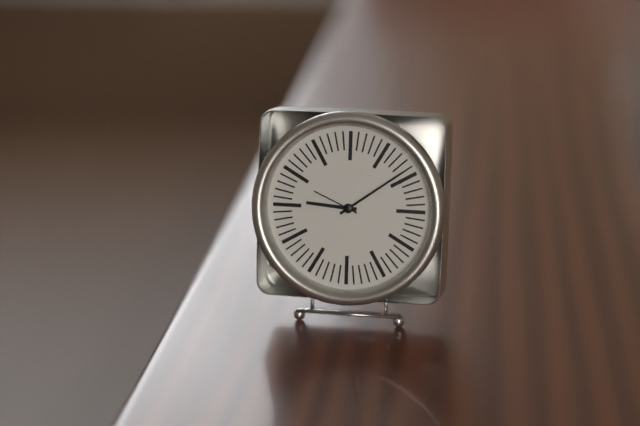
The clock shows 9.09
